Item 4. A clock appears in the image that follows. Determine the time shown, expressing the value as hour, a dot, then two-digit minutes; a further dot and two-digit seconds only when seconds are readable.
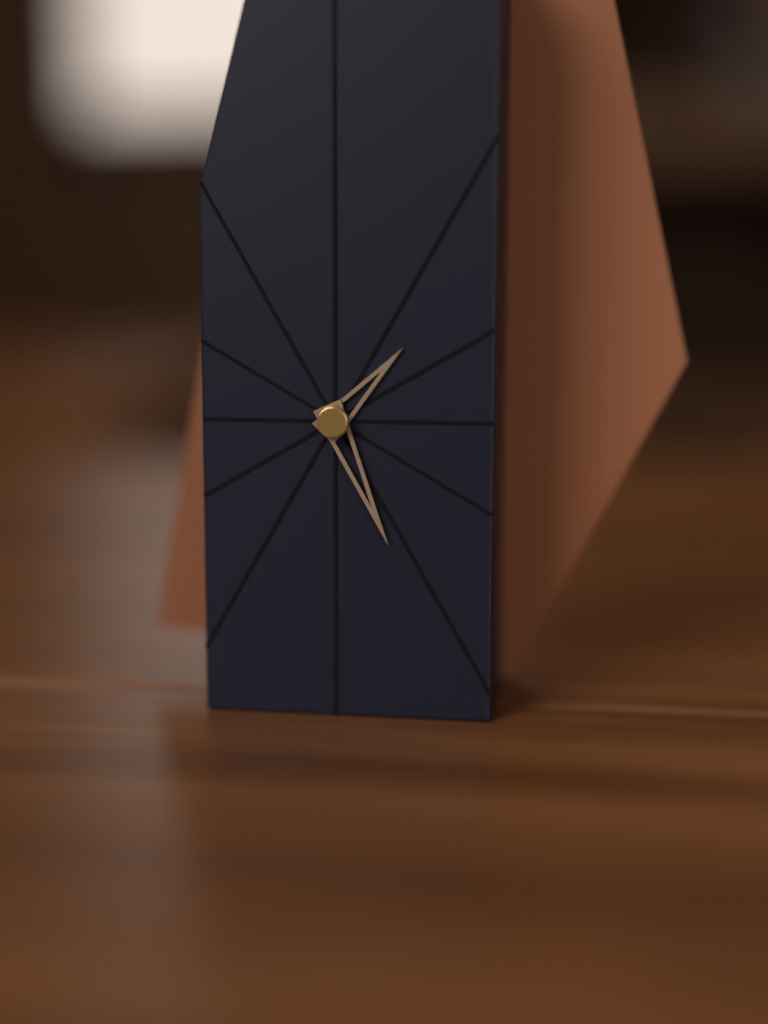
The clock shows 1.26
